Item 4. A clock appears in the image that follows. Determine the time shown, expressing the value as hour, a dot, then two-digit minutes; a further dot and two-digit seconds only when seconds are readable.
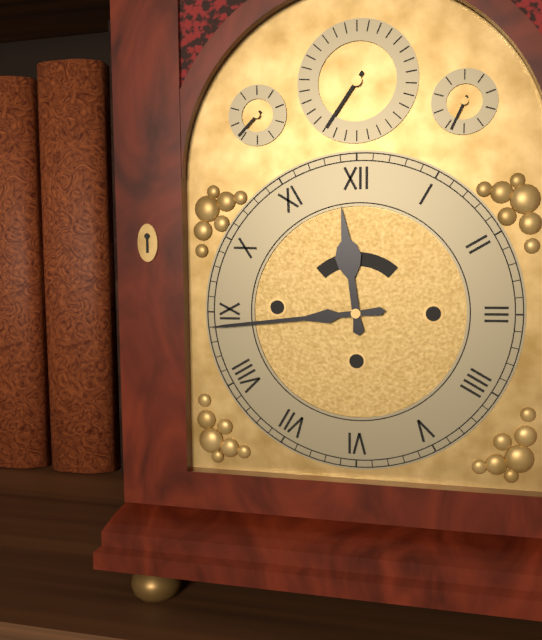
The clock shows 11.44
